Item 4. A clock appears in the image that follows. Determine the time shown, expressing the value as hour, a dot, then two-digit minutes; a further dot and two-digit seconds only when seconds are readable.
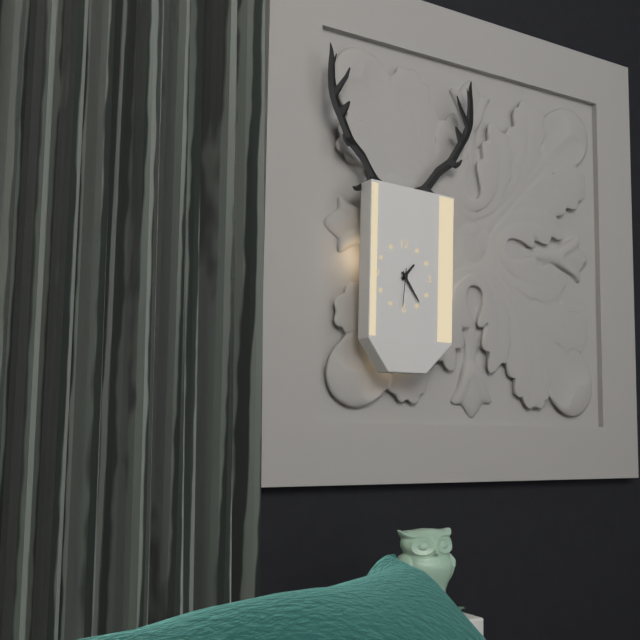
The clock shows 1.24
